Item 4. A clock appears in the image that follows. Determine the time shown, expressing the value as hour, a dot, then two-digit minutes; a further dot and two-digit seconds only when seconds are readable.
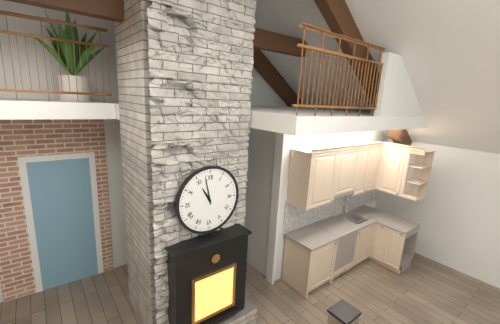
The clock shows 10.58
